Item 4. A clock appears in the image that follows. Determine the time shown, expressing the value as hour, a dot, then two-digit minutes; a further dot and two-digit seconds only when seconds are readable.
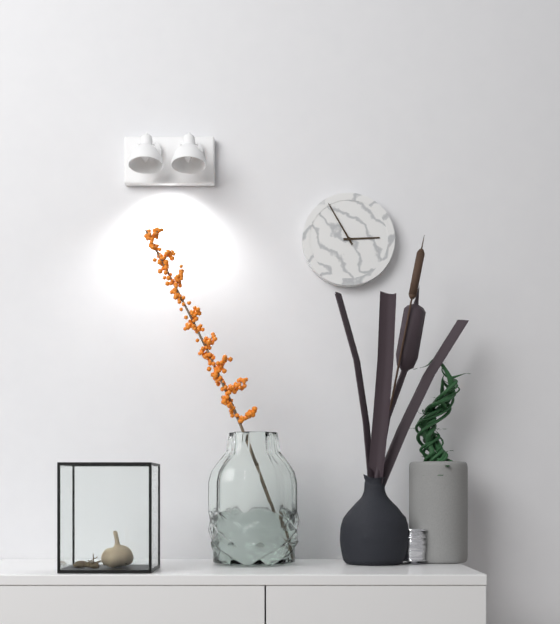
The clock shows 2.55
